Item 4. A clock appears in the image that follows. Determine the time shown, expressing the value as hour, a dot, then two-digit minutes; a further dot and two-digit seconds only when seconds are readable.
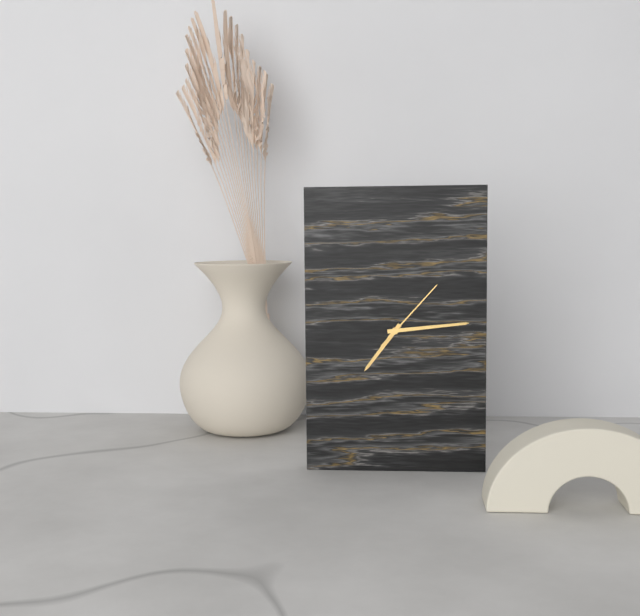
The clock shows 7.14.07
